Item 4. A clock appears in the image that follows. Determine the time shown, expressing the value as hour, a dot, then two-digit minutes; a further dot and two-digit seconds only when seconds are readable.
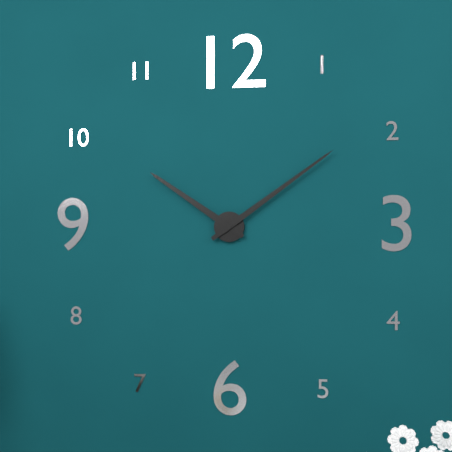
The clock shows 10.09
